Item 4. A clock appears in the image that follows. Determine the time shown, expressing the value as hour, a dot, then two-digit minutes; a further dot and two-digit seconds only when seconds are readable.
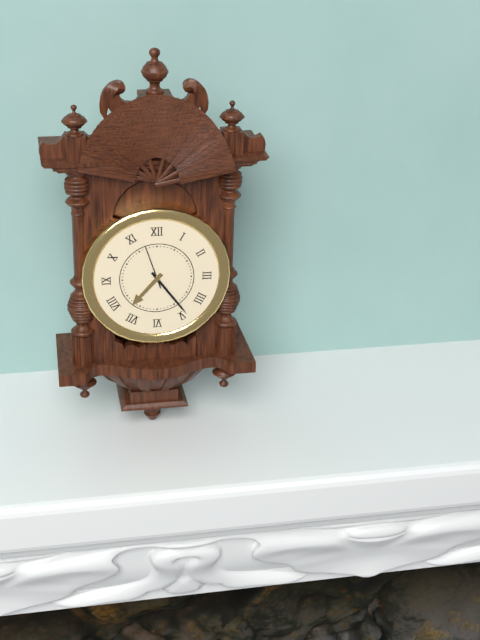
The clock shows 7.24
